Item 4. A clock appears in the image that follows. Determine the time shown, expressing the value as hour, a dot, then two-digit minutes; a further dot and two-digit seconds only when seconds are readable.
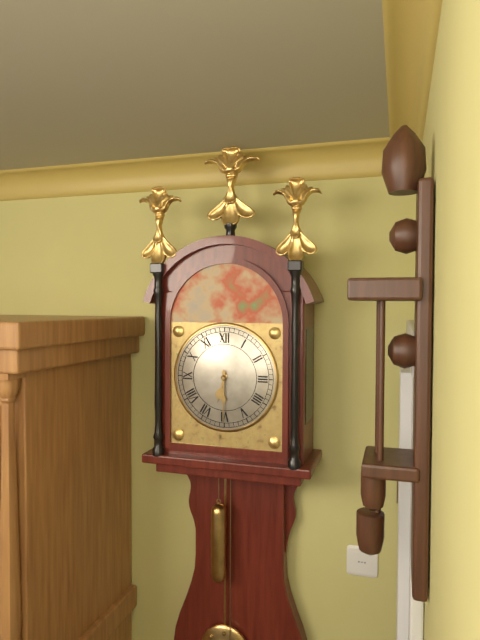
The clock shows 6.30
